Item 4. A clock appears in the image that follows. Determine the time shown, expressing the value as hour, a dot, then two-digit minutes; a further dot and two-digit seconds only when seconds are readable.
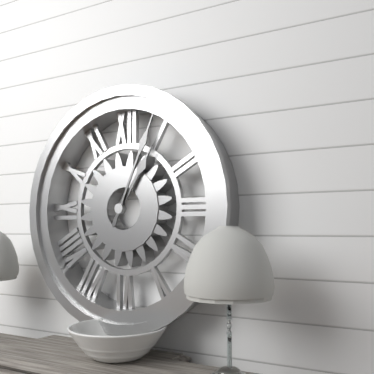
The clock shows 1.04
